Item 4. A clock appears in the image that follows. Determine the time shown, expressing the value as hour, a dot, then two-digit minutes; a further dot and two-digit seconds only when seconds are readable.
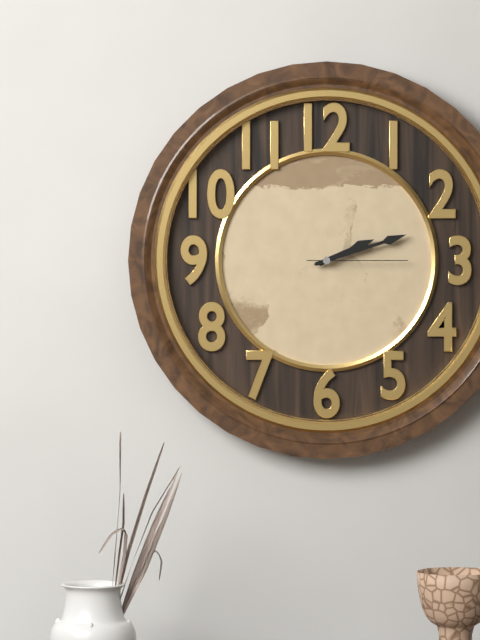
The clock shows 2.12.15
